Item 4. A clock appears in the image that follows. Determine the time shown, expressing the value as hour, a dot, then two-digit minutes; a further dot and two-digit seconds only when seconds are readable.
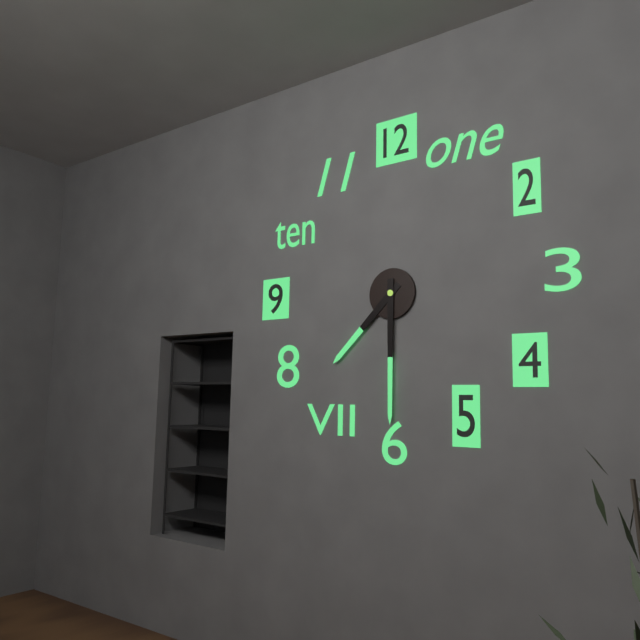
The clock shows 7.30
